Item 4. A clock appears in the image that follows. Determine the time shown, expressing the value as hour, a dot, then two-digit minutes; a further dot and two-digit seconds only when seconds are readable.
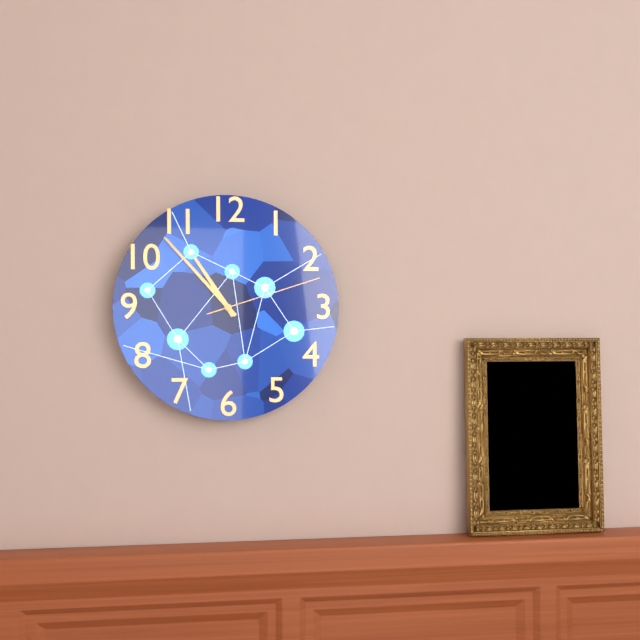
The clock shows 10.53.12
